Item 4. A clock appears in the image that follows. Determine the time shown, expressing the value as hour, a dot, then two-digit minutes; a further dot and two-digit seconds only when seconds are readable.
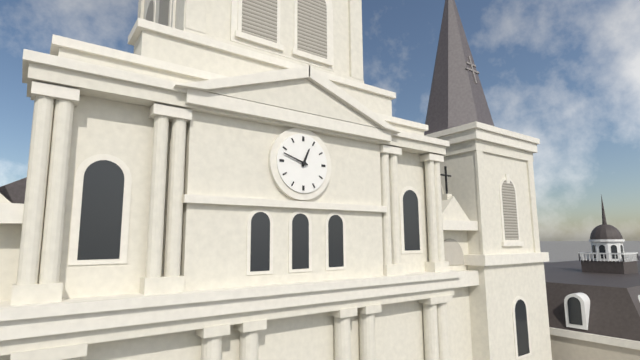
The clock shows 12.48
